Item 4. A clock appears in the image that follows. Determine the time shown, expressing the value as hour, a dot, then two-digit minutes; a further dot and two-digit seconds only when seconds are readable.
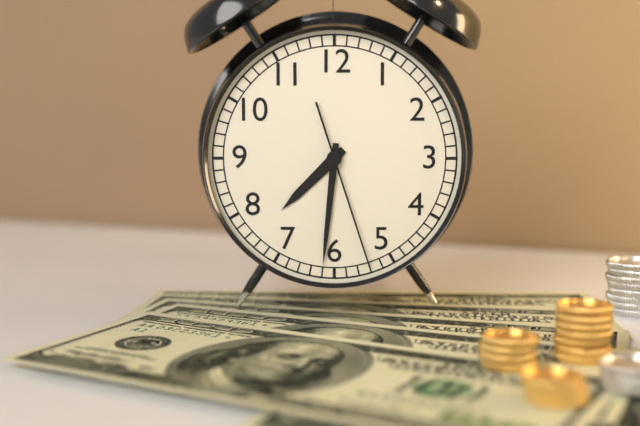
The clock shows 7.31.27
